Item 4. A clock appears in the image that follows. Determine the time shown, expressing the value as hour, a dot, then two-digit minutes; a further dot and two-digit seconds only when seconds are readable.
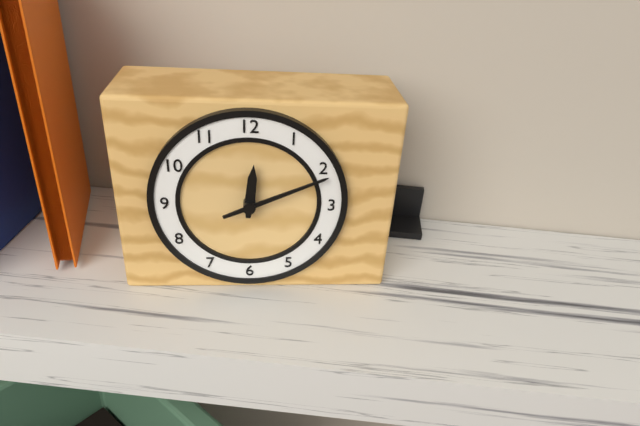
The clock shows 12.11
